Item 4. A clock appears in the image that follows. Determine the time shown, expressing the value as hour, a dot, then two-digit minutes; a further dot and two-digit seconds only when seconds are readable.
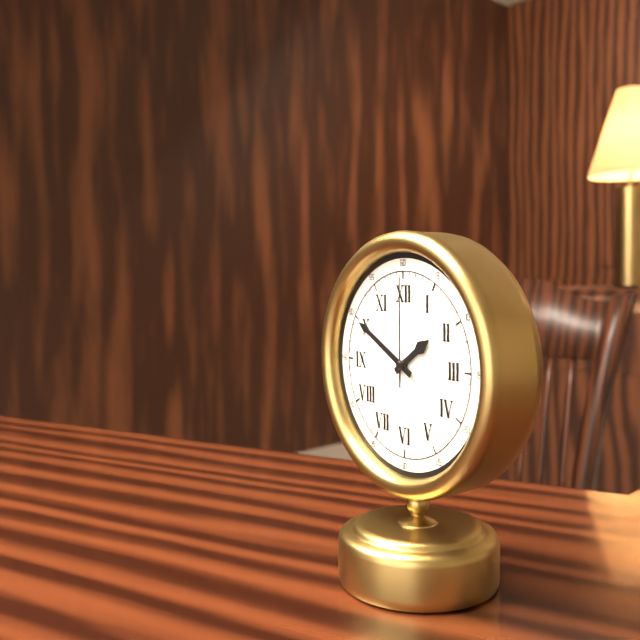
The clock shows 1.50.00
